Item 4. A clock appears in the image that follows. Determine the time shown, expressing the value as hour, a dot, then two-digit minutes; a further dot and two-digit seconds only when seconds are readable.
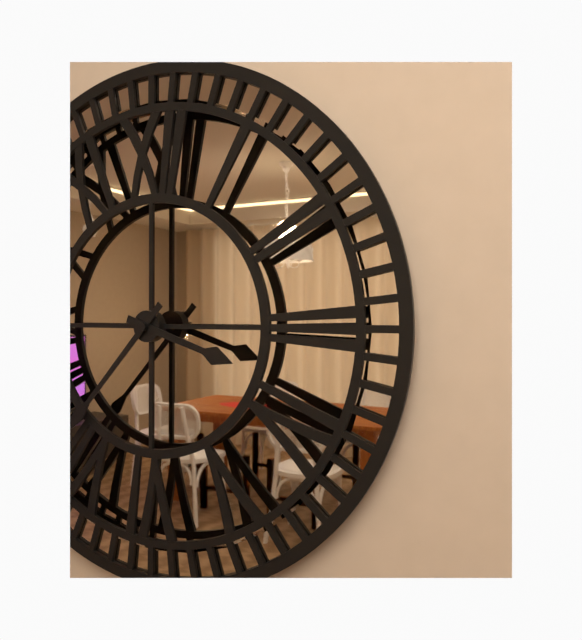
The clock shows 3.37
